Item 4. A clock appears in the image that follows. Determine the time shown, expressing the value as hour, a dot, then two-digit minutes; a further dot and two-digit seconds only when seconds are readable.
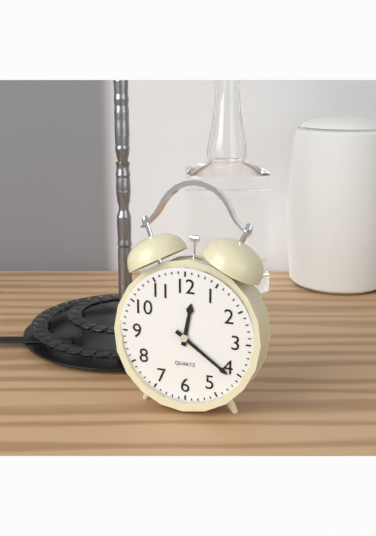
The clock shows 12.21
